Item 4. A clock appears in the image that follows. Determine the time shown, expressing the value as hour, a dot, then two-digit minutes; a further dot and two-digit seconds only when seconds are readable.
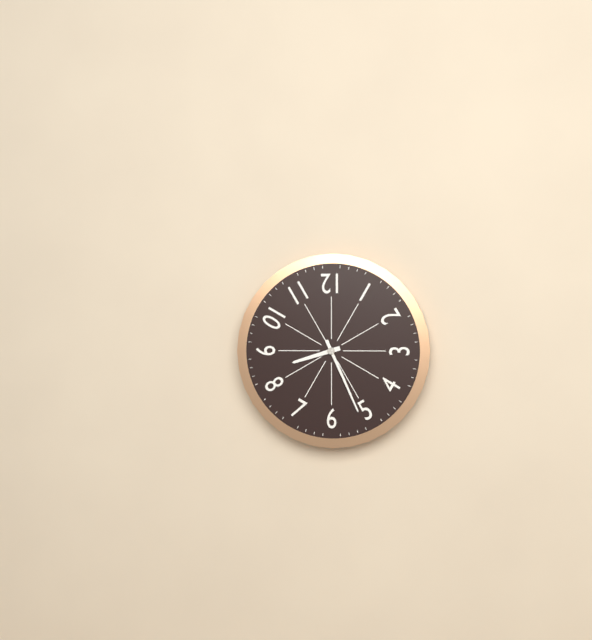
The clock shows 8.26
